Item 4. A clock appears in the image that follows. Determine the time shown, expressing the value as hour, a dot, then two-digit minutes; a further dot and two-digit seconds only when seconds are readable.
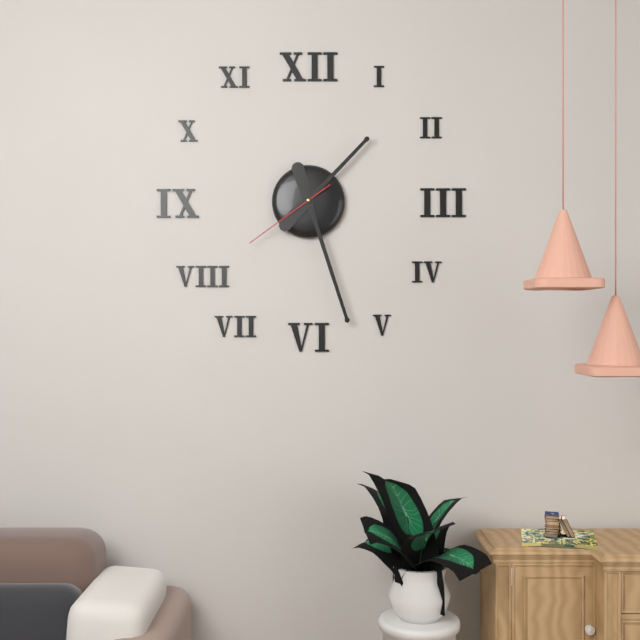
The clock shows 1.27.39
